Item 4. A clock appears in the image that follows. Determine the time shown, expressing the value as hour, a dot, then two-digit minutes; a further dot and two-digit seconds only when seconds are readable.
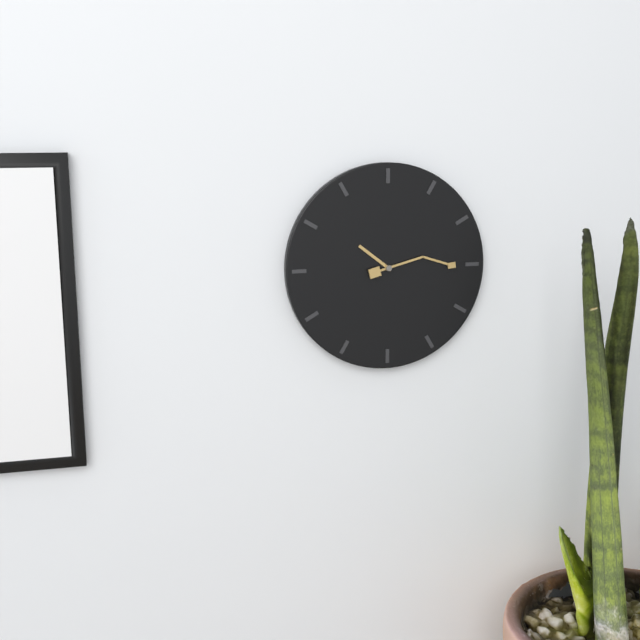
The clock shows 10.15
